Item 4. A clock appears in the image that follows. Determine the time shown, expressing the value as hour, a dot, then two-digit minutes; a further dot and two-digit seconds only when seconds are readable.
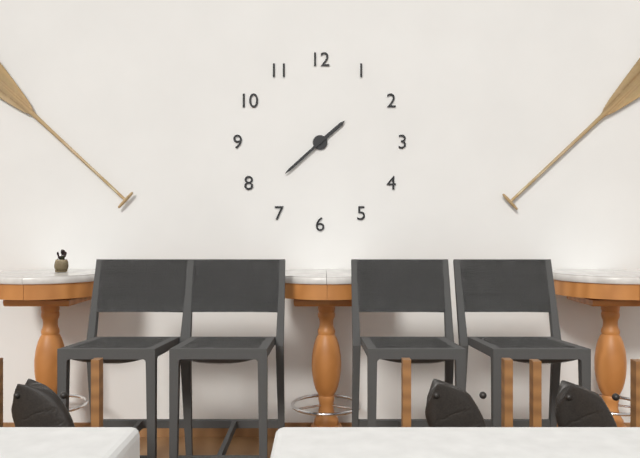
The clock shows 1.38
